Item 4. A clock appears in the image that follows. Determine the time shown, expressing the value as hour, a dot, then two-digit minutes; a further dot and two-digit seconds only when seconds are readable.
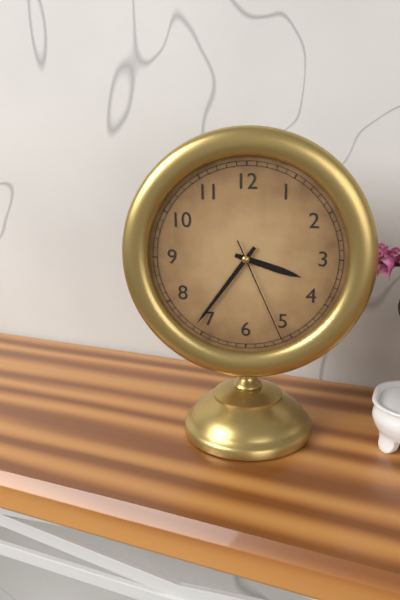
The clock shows 3.36.26
